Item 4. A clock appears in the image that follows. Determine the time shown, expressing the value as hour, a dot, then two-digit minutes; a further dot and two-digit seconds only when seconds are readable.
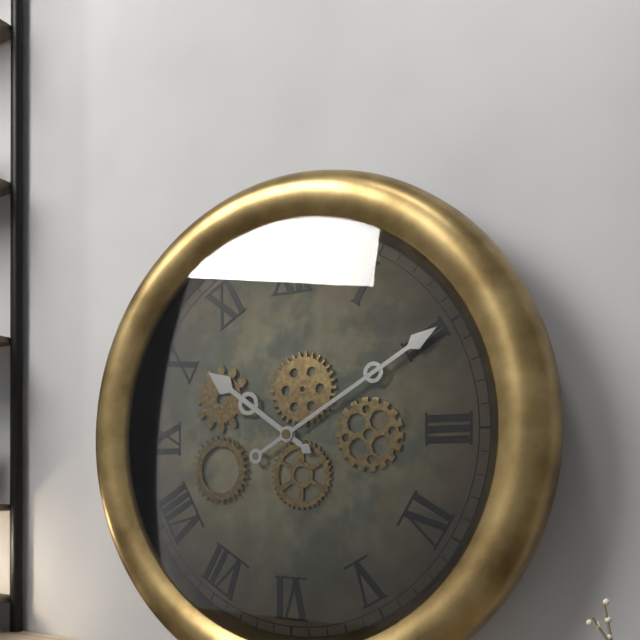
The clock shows 10.10
